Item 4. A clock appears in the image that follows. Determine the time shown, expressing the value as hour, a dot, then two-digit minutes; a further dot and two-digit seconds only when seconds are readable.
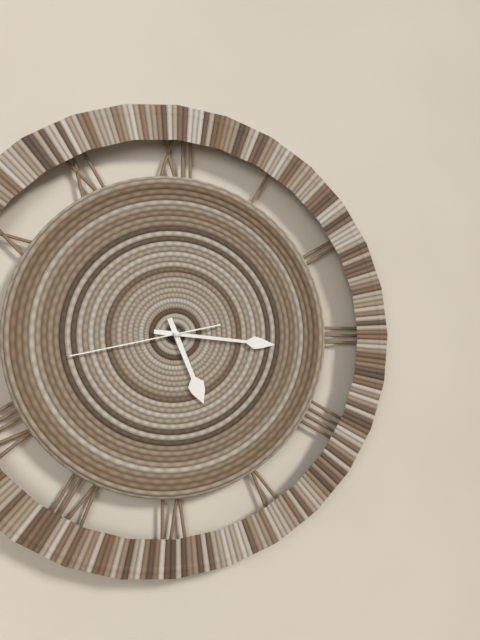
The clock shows 5.16.43
